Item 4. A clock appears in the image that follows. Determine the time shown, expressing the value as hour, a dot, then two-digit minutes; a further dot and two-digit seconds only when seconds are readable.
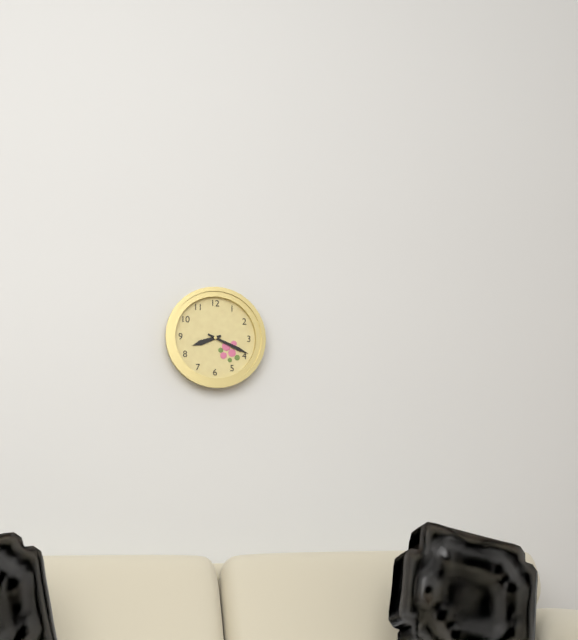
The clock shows 8.19
